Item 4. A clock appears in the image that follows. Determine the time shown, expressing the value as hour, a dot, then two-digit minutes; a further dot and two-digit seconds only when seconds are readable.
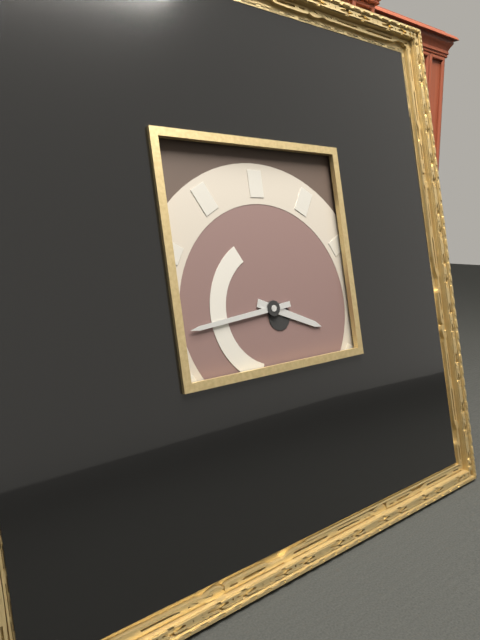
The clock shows 3.44
